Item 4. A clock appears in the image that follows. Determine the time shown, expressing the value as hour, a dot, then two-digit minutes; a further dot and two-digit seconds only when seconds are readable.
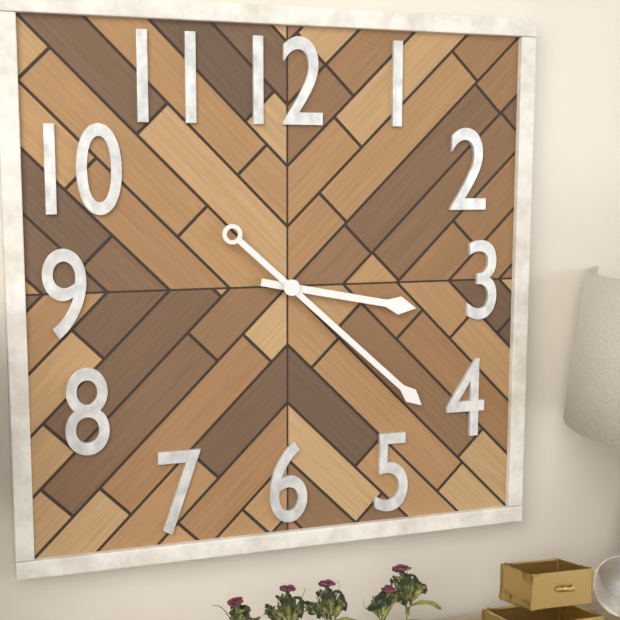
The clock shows 3.22
